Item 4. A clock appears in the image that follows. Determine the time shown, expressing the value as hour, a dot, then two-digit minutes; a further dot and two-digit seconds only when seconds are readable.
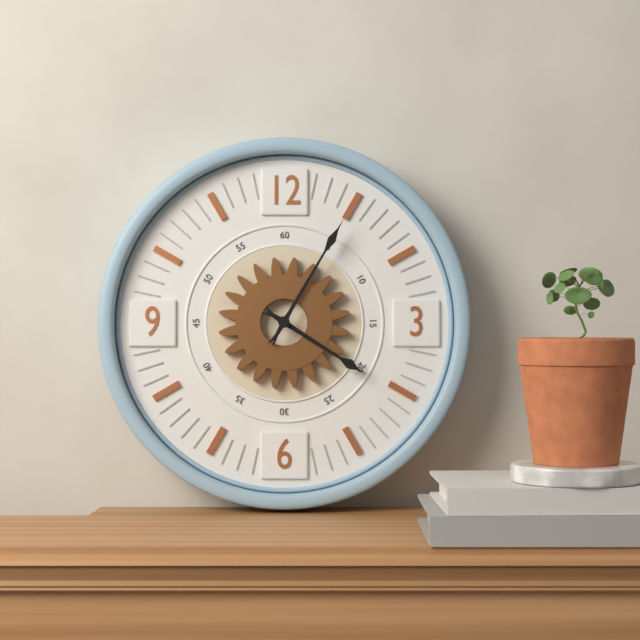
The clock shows 4.05
